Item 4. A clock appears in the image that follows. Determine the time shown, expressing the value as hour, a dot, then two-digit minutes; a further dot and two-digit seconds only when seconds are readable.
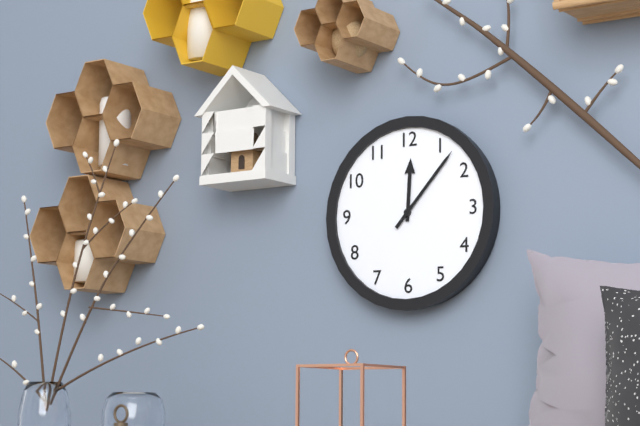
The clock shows 12.07
